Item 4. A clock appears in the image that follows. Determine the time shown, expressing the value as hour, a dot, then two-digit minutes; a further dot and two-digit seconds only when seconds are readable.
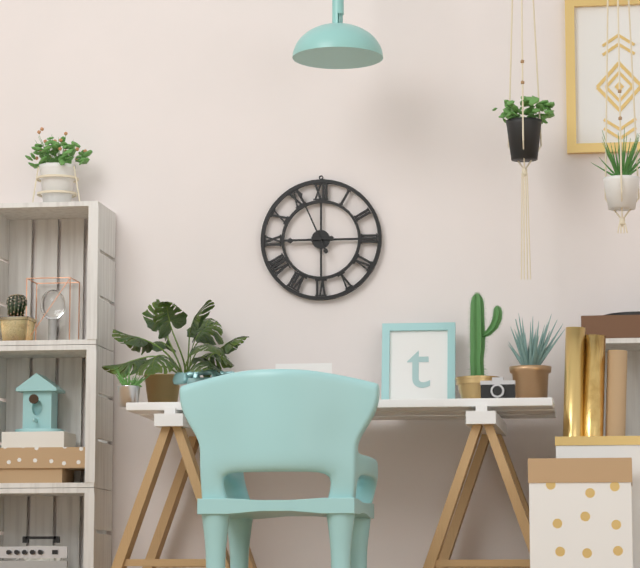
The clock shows 8.56
